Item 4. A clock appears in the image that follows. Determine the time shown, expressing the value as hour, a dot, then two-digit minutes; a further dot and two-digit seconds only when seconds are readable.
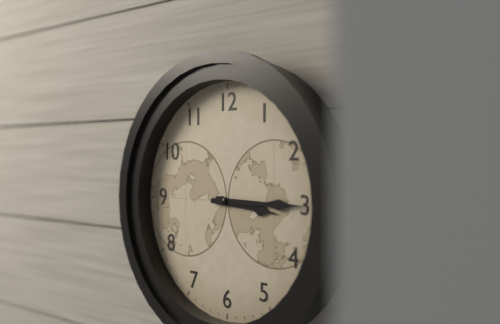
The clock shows 3.15
